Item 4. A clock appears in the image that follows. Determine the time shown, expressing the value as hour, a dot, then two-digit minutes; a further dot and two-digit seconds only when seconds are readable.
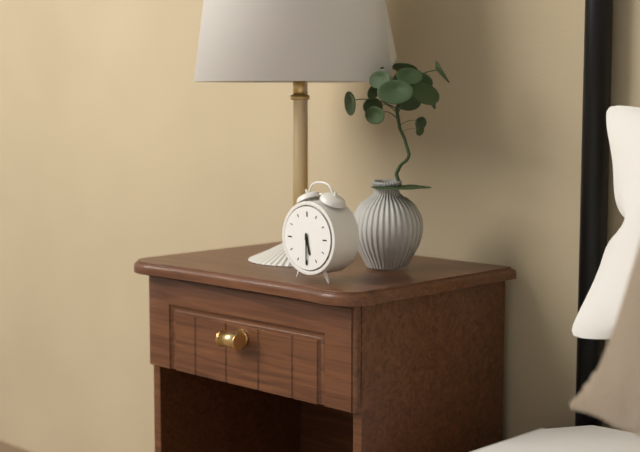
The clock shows 5.30
